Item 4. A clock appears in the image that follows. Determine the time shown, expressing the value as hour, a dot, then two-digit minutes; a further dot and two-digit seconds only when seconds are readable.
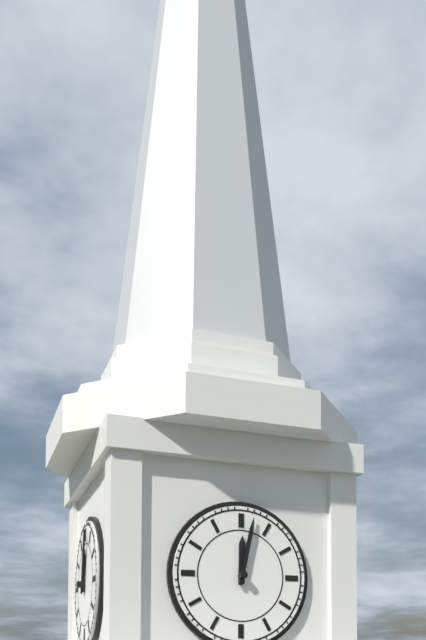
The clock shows 12.02
